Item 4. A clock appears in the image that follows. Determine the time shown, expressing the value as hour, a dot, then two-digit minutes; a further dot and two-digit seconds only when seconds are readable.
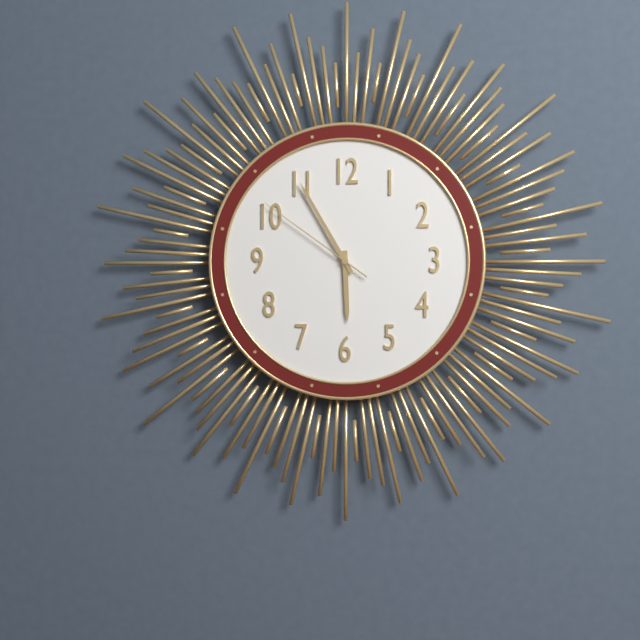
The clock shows 5.55.51
